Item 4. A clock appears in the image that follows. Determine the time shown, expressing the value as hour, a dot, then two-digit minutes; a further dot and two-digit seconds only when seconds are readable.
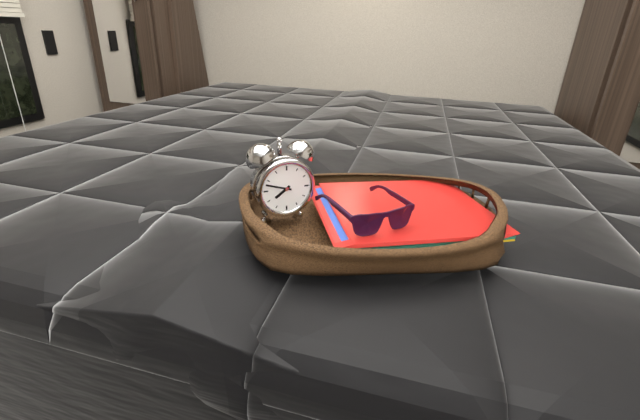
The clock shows 7.48
